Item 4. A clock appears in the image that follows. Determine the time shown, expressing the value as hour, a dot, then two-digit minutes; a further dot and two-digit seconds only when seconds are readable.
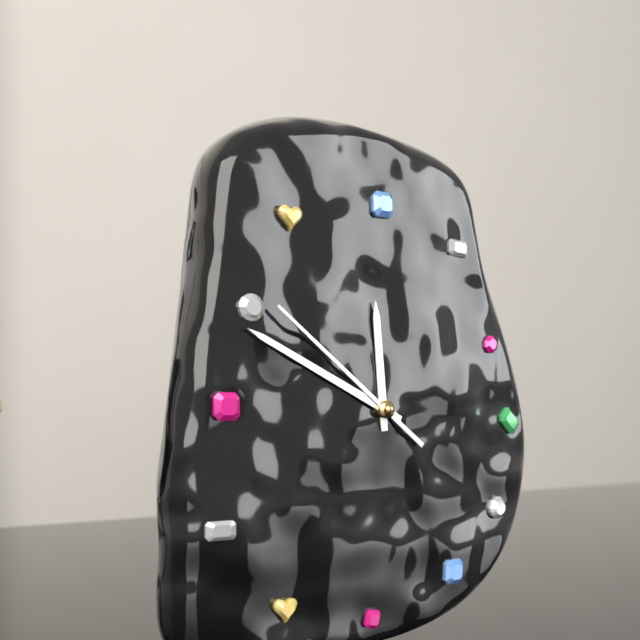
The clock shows 11.49.51
